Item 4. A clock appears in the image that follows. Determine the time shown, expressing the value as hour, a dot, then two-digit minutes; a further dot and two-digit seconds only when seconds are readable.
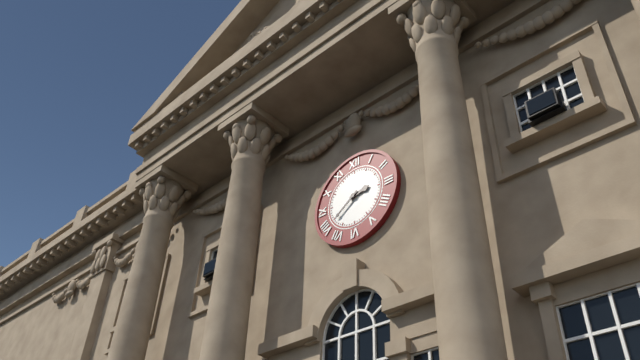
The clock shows 2.39
